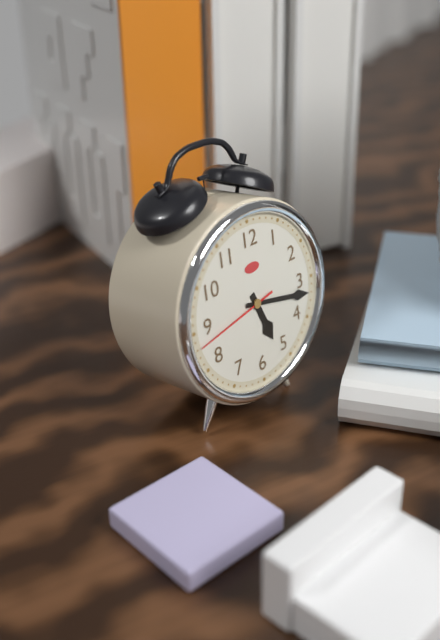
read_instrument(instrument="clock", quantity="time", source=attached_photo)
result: 5:17:43
